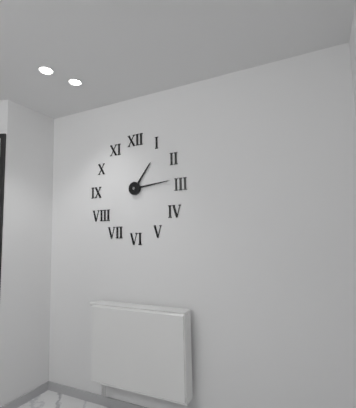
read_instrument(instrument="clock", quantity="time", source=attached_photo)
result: 1:14
